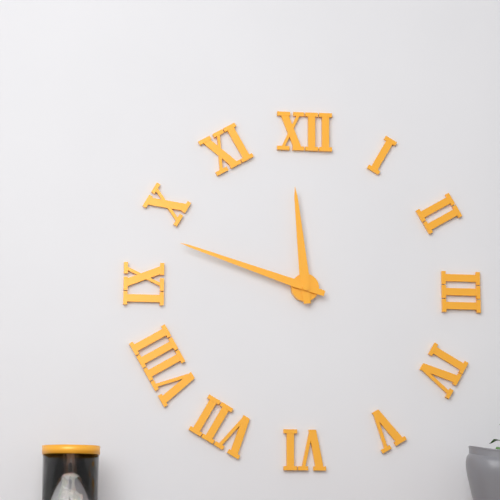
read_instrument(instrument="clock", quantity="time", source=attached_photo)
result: 11:48
